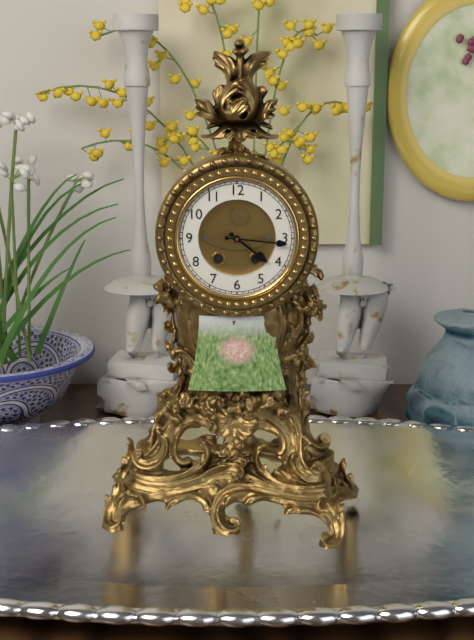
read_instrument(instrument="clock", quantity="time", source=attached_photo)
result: 4:16
